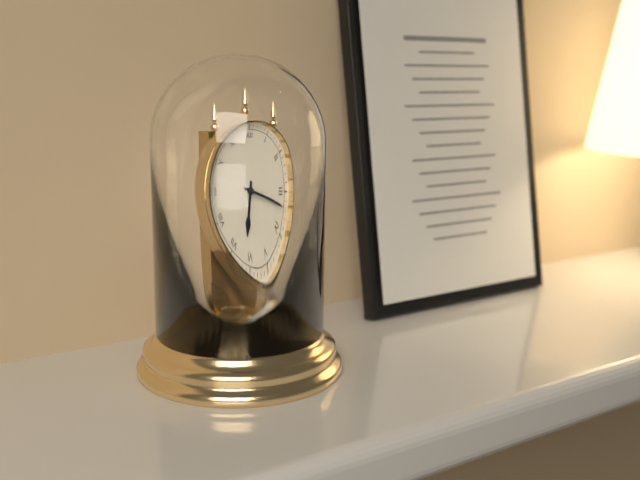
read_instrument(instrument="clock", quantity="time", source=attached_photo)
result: 6:17
